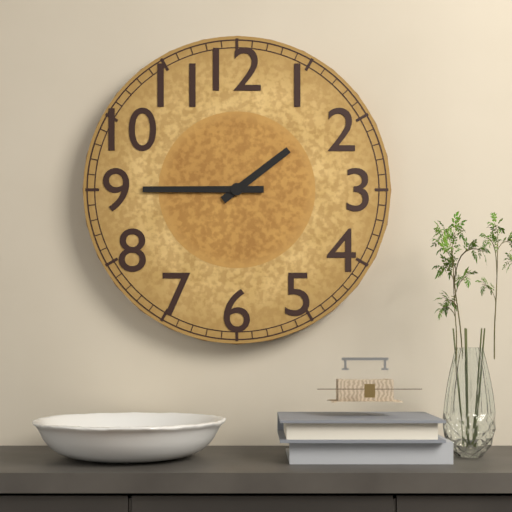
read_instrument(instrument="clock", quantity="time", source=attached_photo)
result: 1:45
